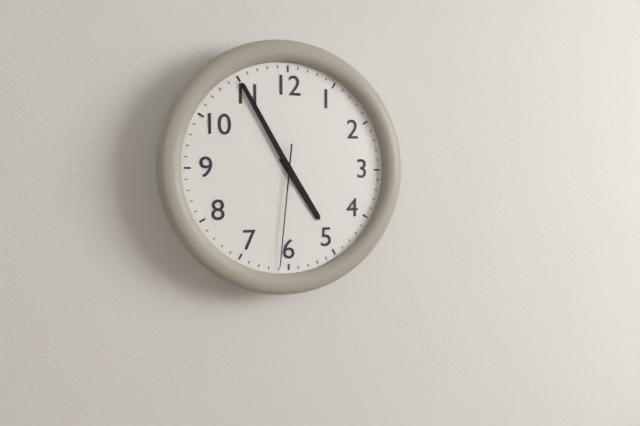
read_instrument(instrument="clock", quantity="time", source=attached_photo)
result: 4:55:31
